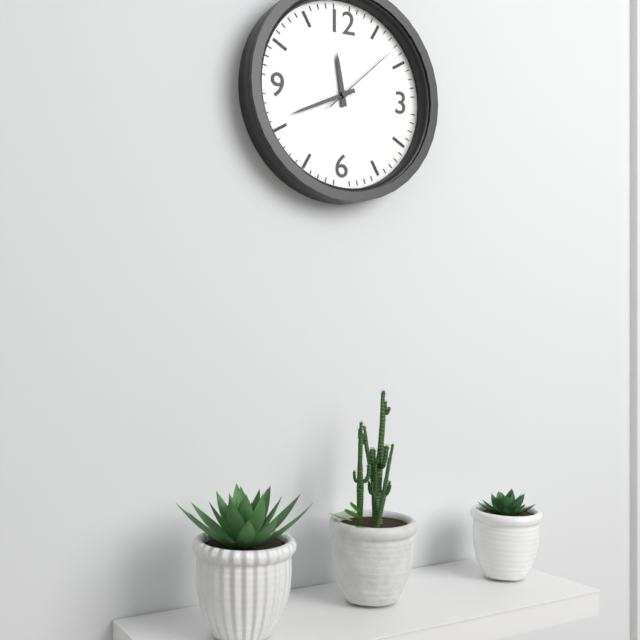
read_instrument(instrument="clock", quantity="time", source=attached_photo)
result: 11:41:08
